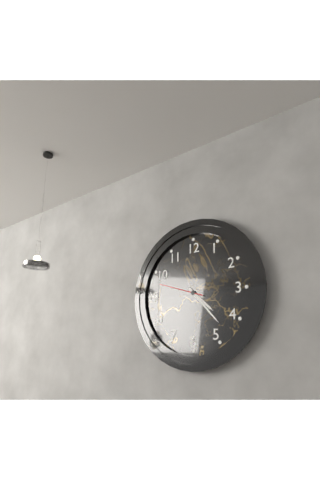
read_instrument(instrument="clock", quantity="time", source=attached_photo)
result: 4:23
